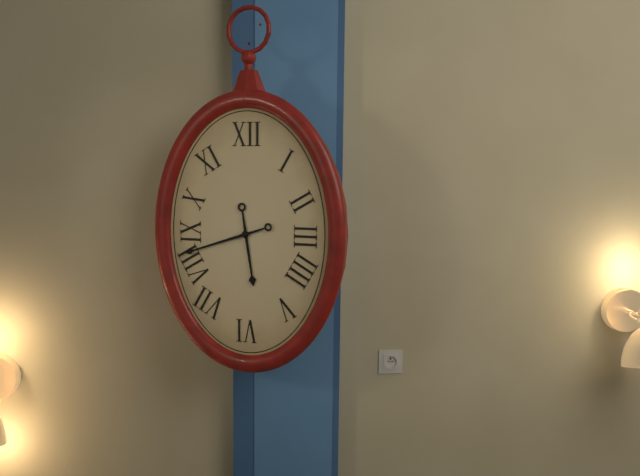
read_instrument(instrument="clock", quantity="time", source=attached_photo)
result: 5:42
